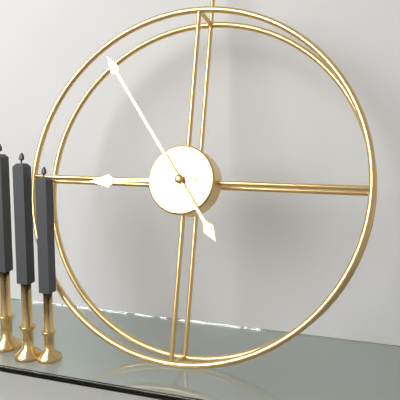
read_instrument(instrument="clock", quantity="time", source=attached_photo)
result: 8:54
